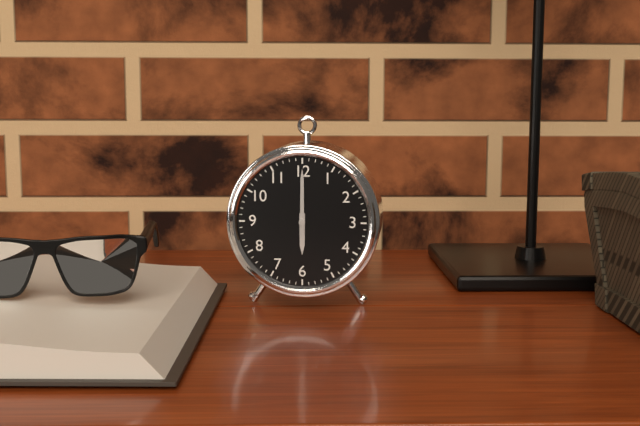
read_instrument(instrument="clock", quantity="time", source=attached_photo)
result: 6:00
